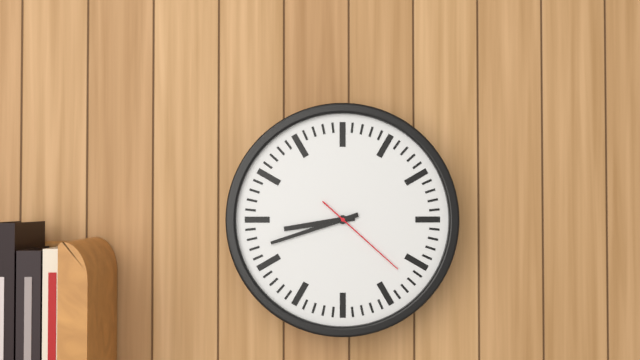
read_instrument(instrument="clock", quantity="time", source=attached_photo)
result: 8:42:22
